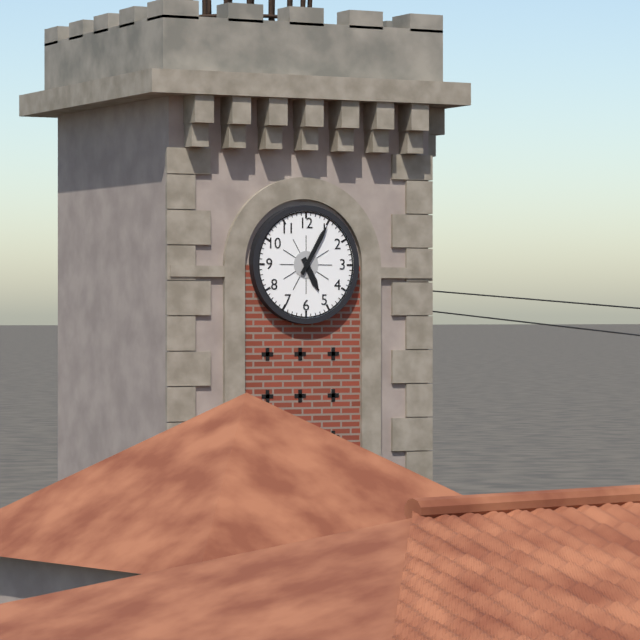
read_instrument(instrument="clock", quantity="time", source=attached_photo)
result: 5:05
